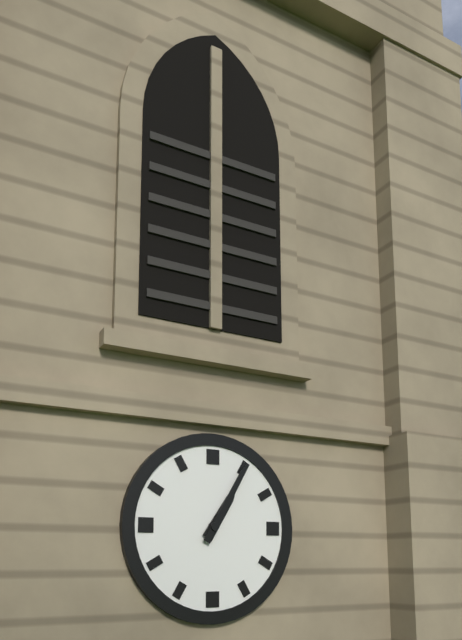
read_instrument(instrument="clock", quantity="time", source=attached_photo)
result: 1:05
